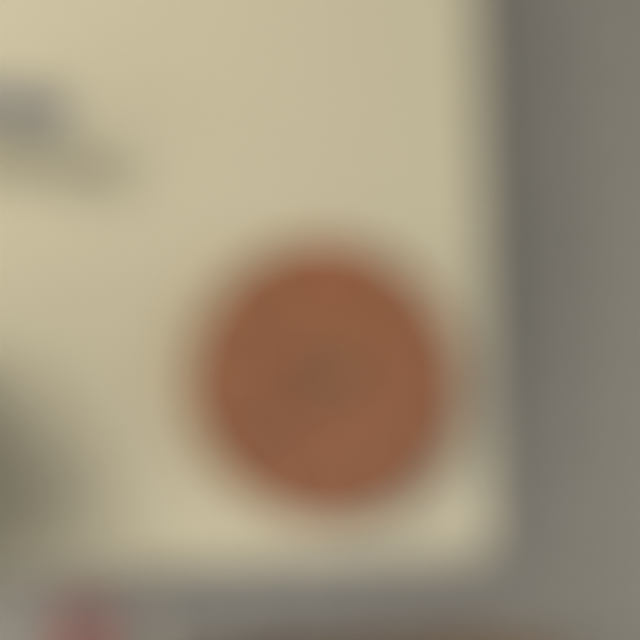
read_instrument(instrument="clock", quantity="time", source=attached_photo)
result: 9:39
